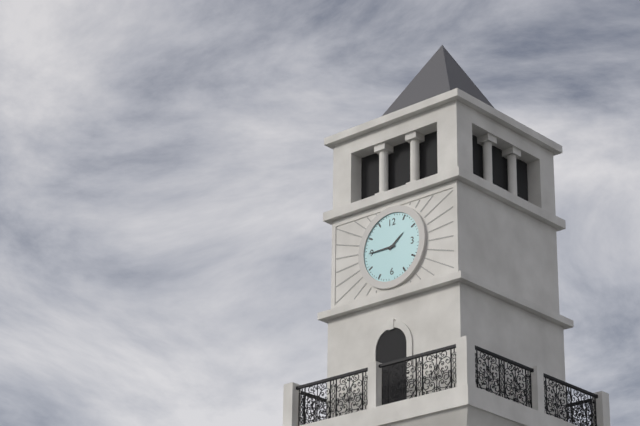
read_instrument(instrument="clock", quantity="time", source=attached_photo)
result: 1:45
